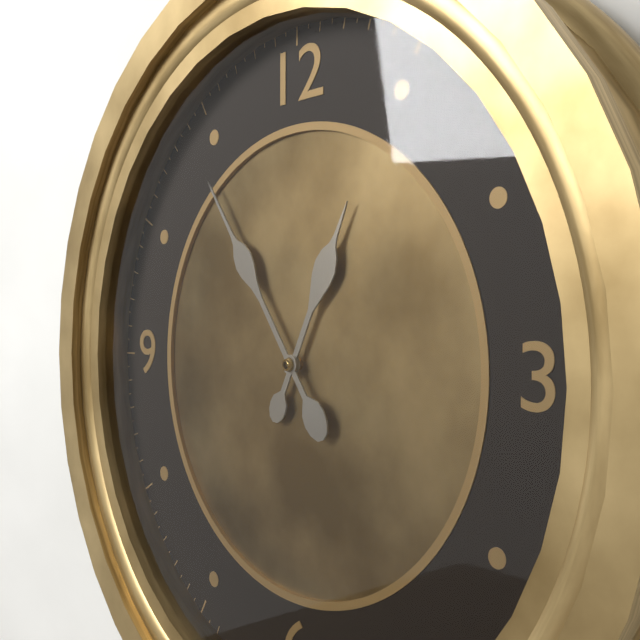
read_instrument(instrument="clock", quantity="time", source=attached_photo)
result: 12:54
